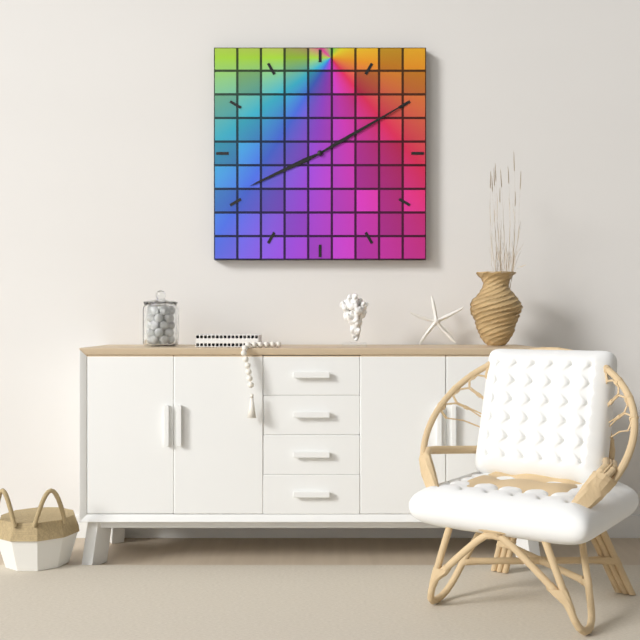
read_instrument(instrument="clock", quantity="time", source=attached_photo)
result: 8:10
